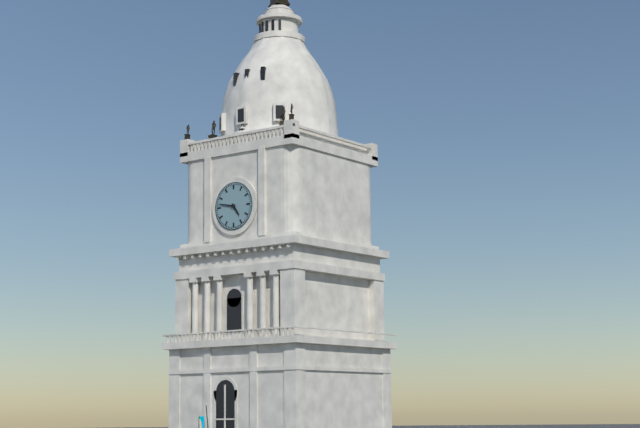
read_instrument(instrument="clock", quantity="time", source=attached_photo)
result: 4:47
